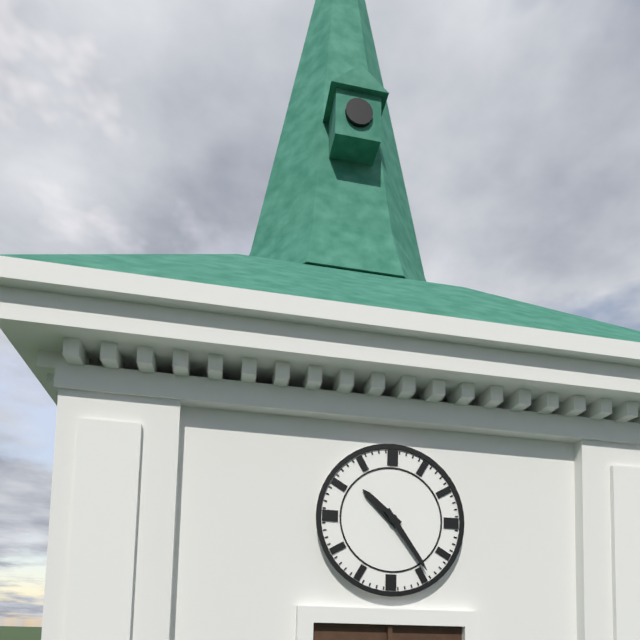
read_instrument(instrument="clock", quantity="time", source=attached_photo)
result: 10:24
